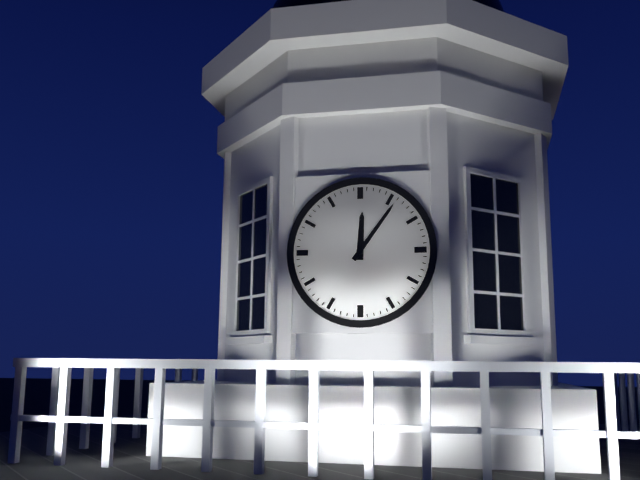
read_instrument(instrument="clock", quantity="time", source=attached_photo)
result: 12:06
